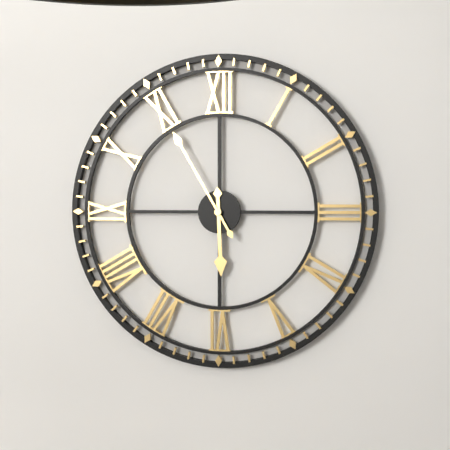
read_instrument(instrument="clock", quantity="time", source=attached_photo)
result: 5:55
